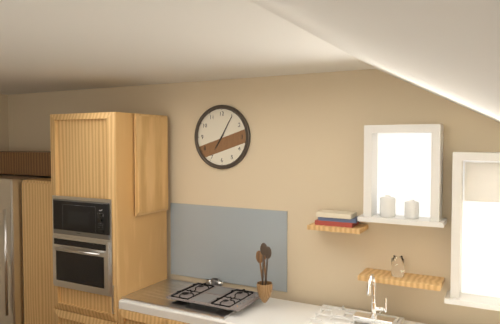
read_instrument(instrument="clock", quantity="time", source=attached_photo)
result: 7:05
